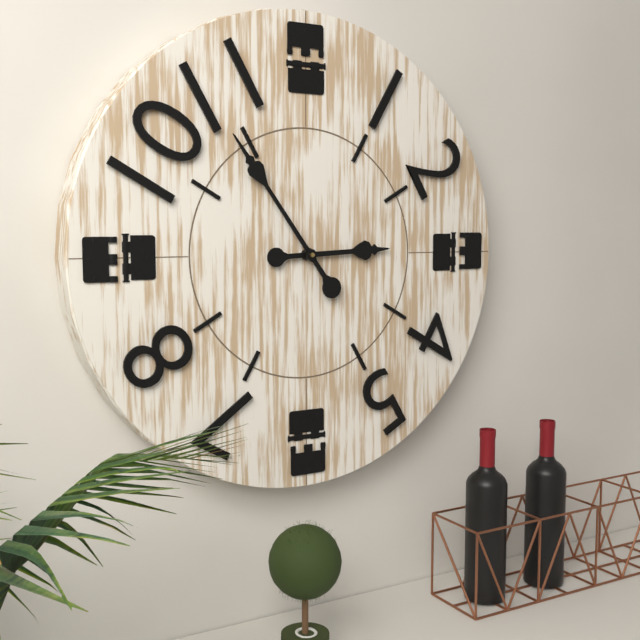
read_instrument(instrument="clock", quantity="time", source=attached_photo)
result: 2:54
